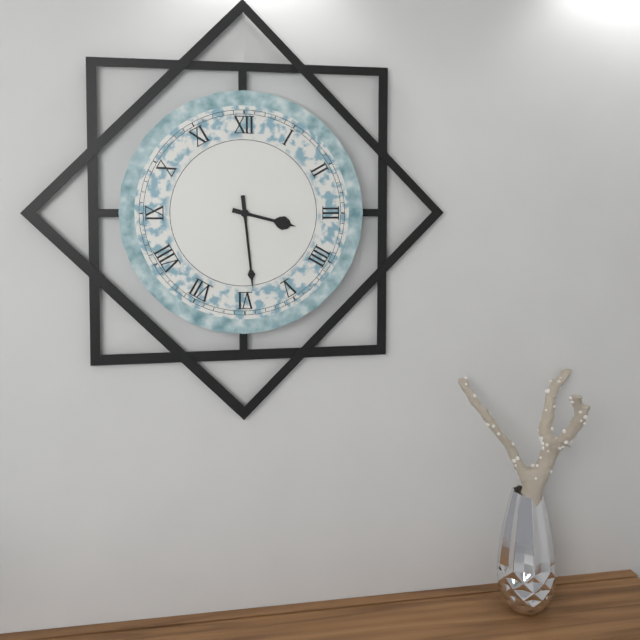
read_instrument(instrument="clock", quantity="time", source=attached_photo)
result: 3:29
